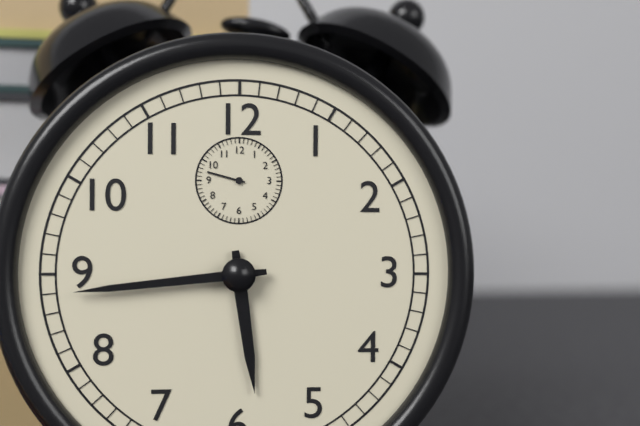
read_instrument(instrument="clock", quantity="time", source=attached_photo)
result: 5:44
